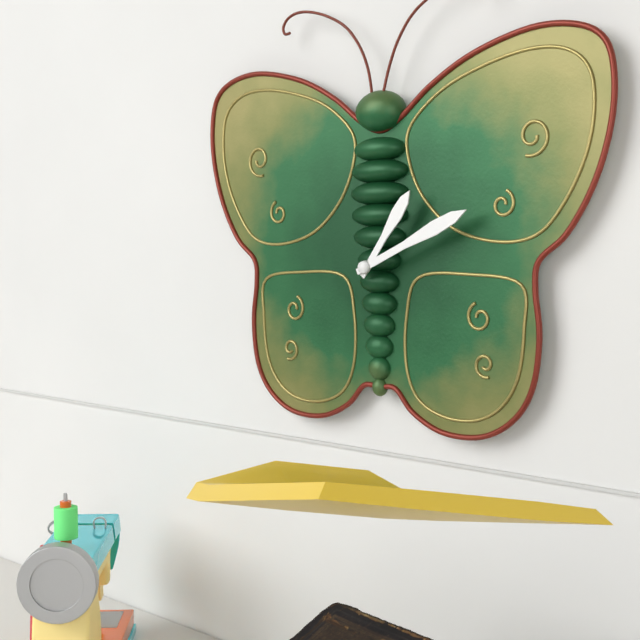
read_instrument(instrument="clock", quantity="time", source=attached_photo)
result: 1:11
